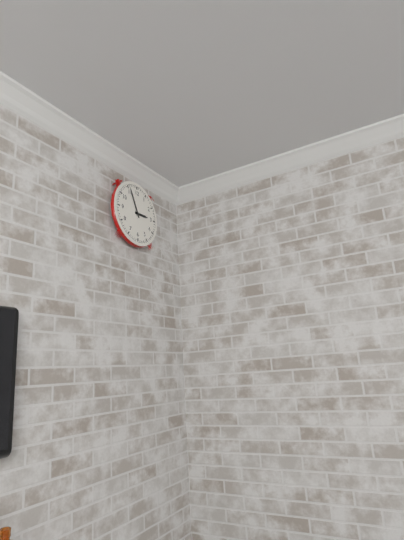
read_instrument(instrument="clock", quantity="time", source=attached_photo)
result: 2:56
